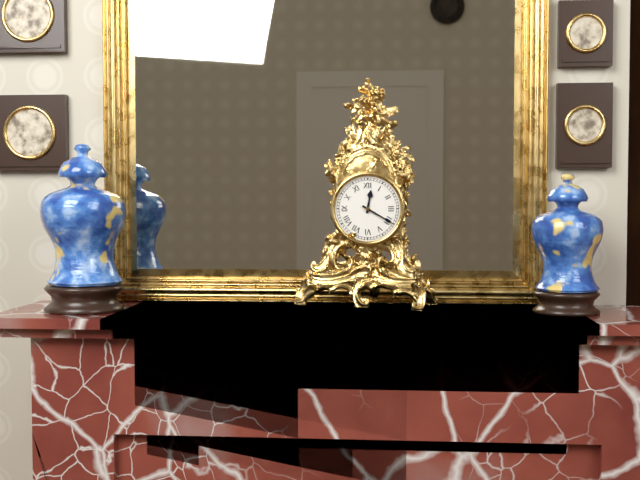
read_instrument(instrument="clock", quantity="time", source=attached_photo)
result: 12:20
